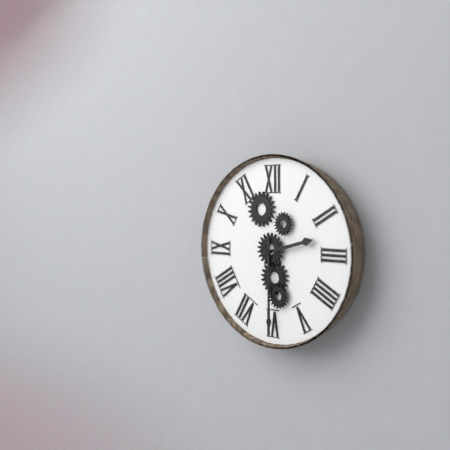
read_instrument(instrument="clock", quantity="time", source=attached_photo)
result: 2:30
